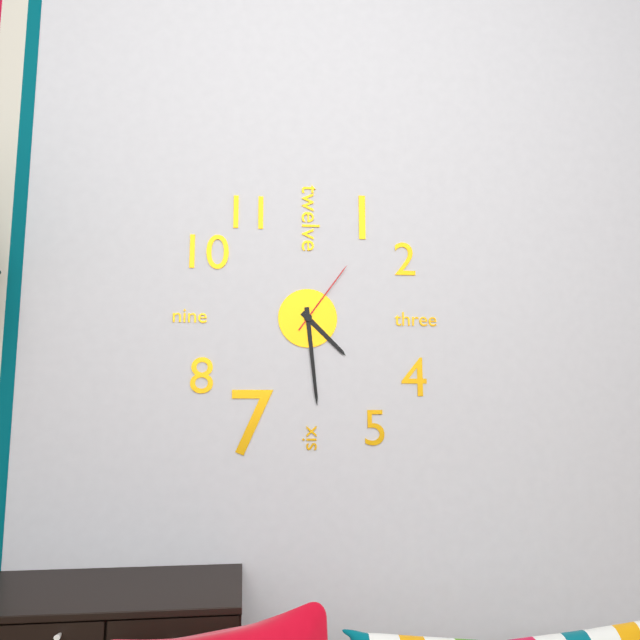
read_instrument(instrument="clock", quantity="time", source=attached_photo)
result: 4:29:06
